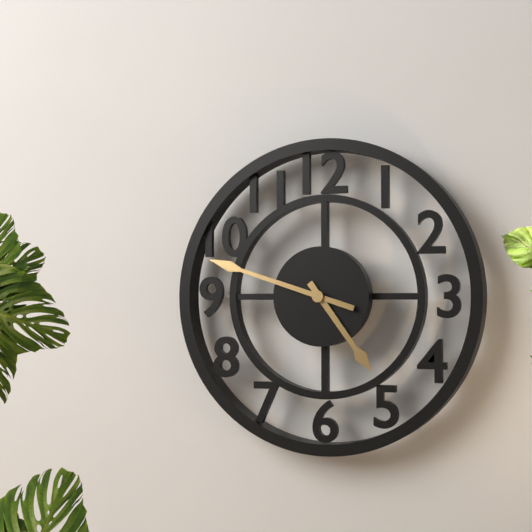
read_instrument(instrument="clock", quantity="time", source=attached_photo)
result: 4:48
